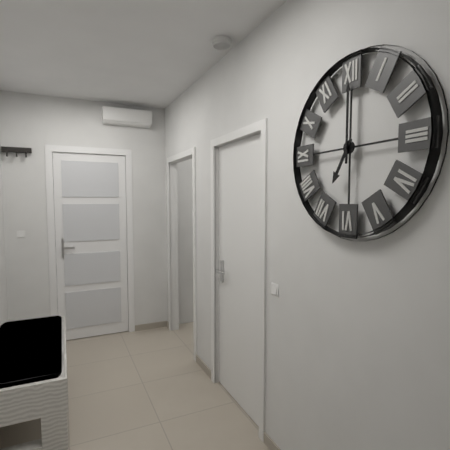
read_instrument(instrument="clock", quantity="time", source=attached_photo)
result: 7:00
